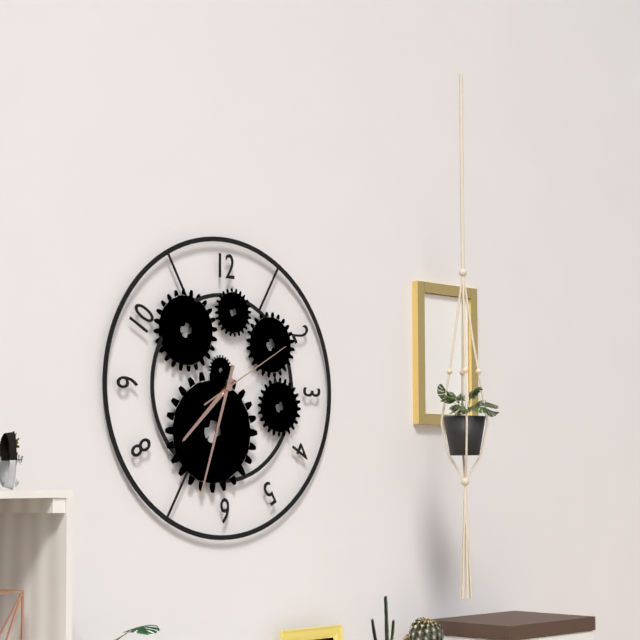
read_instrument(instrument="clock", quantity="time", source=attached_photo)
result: 7:33:10
